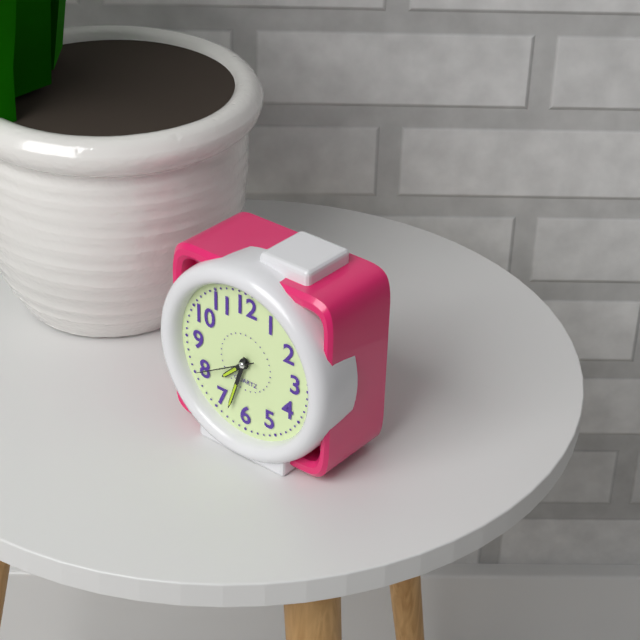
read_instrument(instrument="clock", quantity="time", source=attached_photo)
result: 7:33:40
